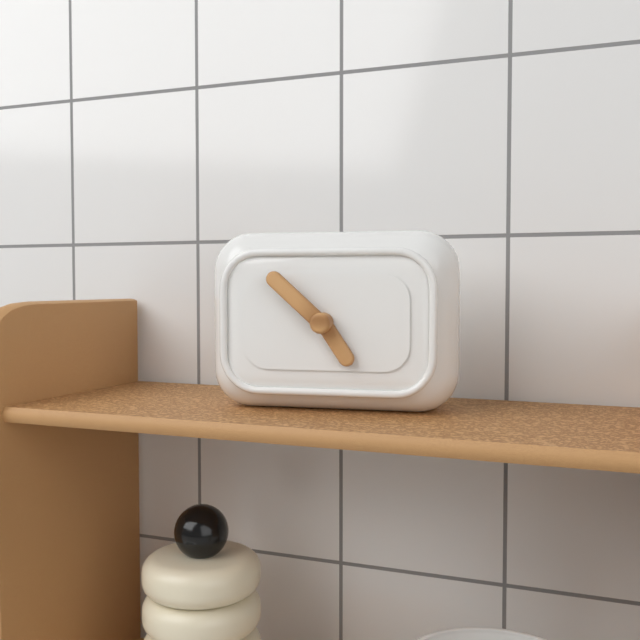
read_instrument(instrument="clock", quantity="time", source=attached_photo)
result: 4:52
